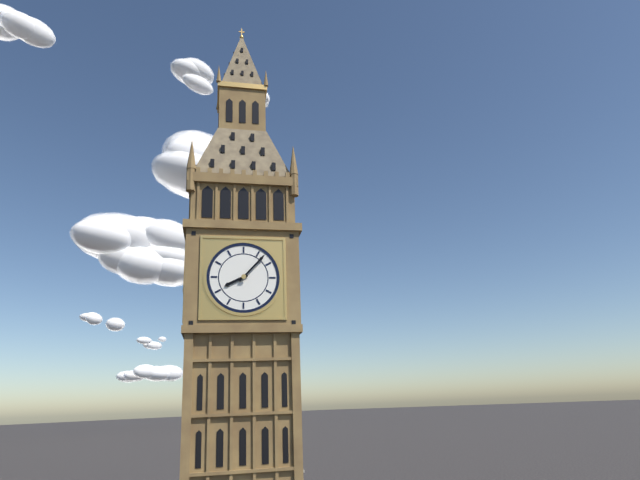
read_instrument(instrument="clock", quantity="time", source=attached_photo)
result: 8:07
